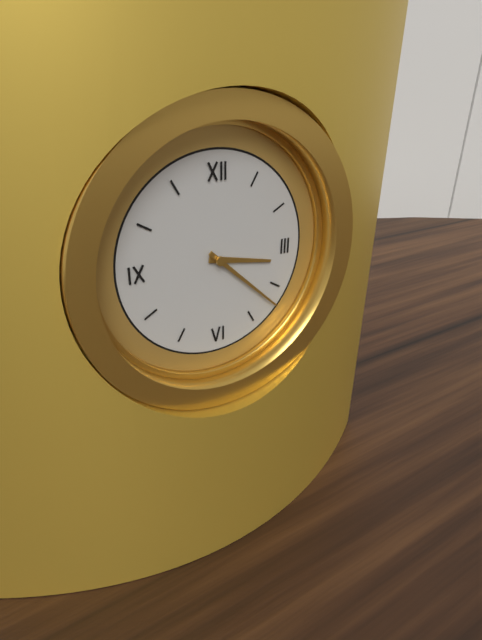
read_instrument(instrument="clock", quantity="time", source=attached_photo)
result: 3:22
